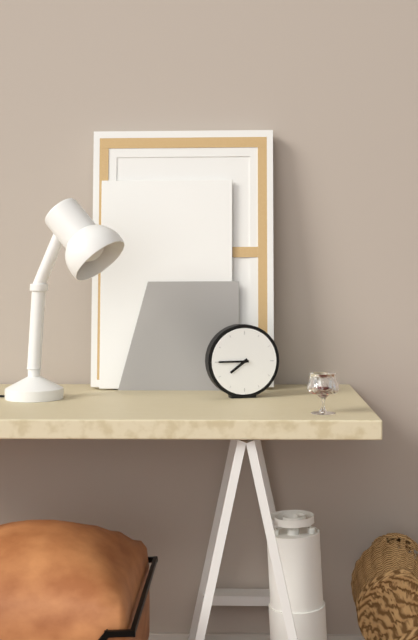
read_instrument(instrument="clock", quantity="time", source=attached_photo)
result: 7:45
